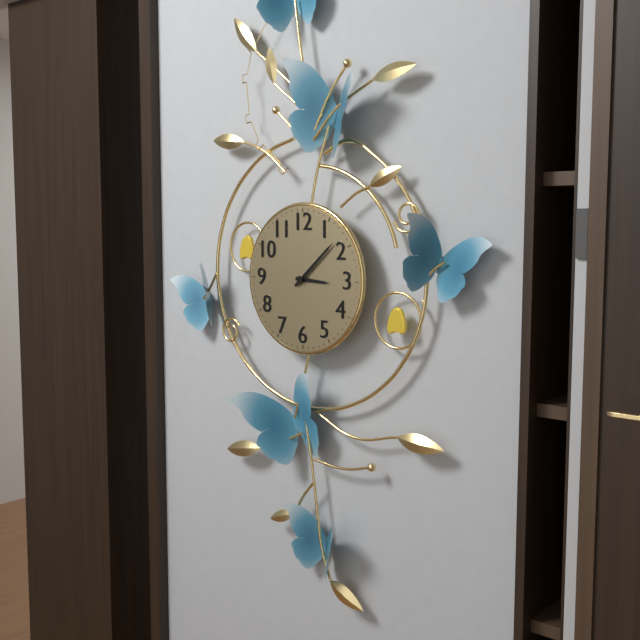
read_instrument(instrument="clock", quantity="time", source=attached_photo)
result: 3:08
